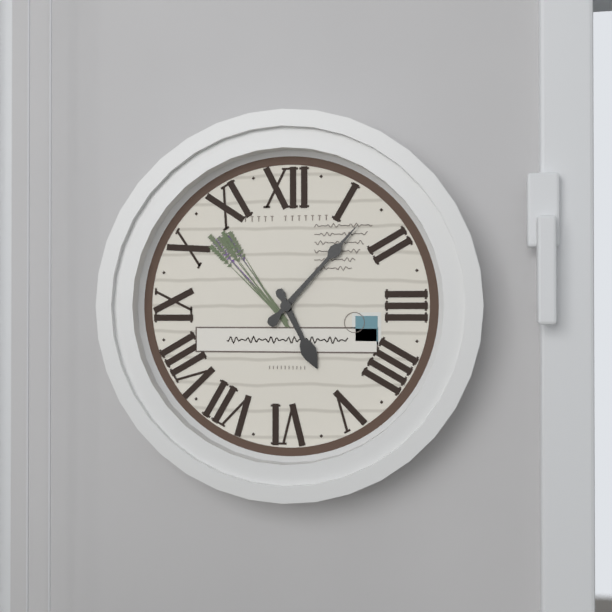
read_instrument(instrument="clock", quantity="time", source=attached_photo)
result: 5:07
